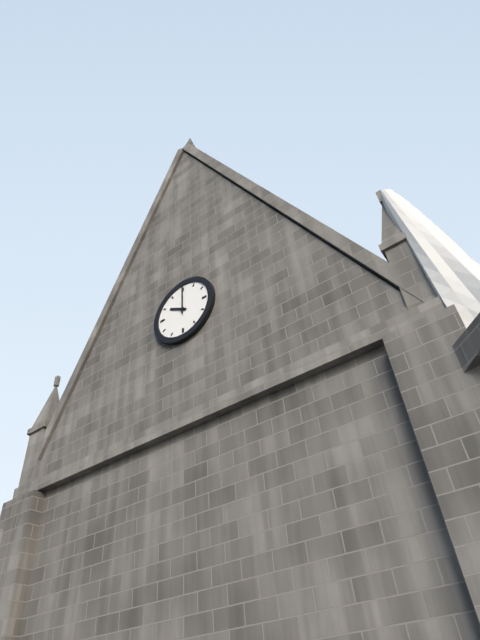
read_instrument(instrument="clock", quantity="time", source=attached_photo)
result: 10:00
